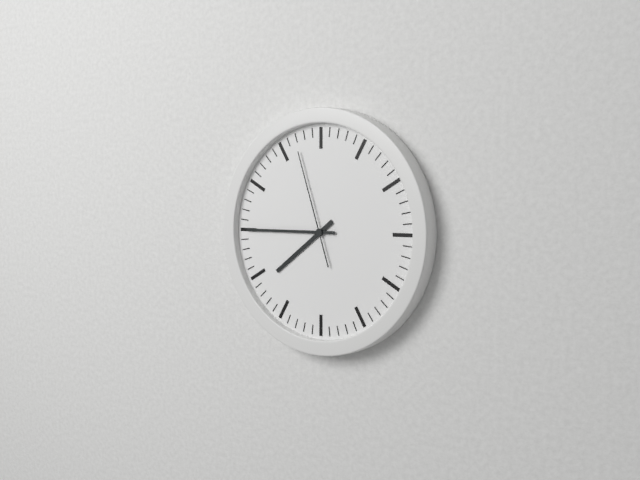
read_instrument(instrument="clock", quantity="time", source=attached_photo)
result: 7:45:57
